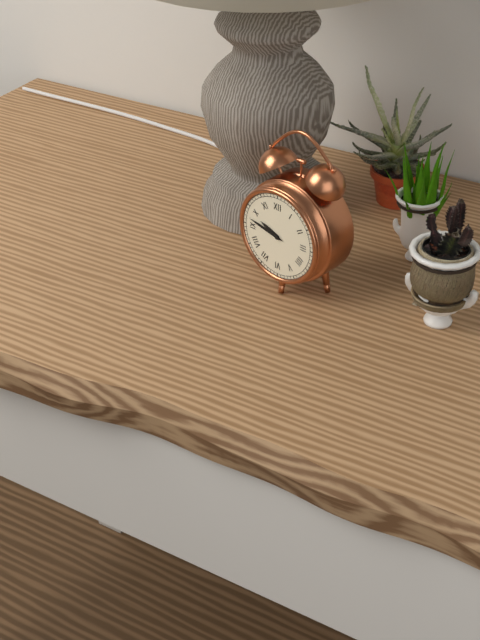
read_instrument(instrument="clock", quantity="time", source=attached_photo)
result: 9:47
